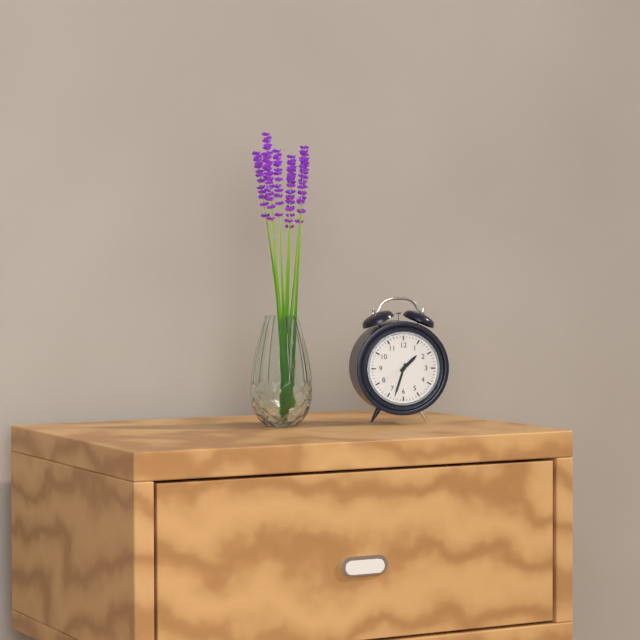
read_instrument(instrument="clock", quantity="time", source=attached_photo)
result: 1:33
